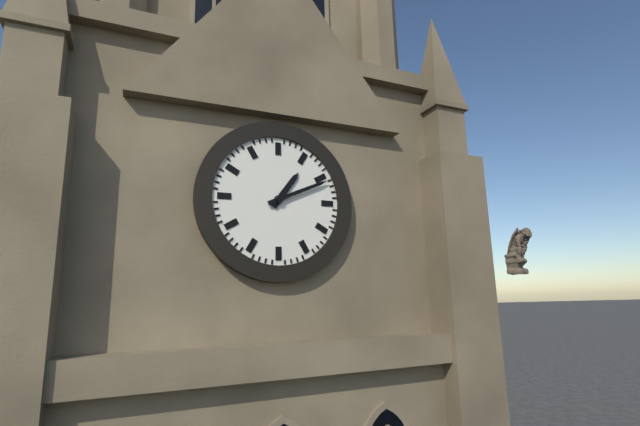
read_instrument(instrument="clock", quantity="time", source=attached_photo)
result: 1:11
